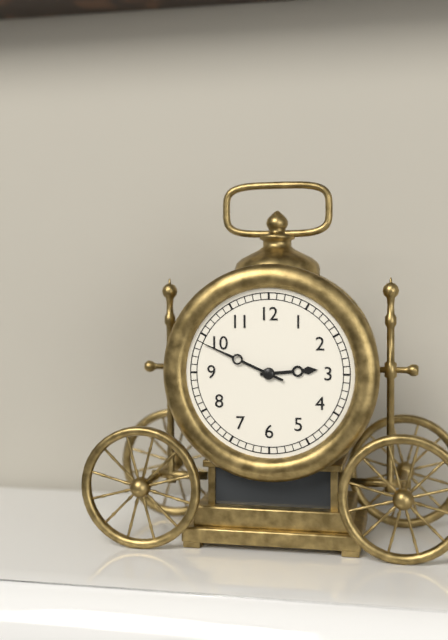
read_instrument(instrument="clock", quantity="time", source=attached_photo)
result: 2:49
